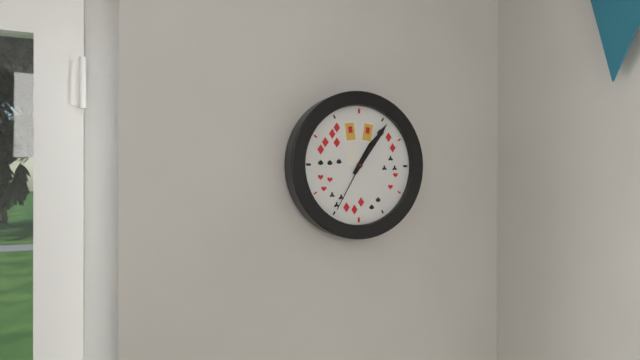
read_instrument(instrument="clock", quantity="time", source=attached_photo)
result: 1:06:35
